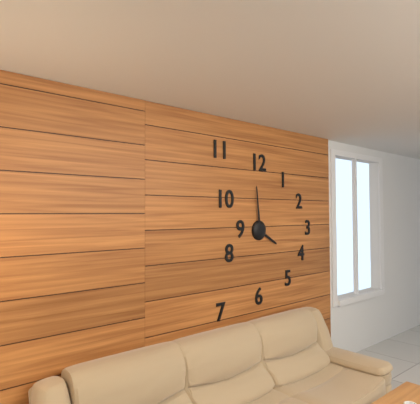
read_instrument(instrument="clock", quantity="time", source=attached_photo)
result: 3:59
